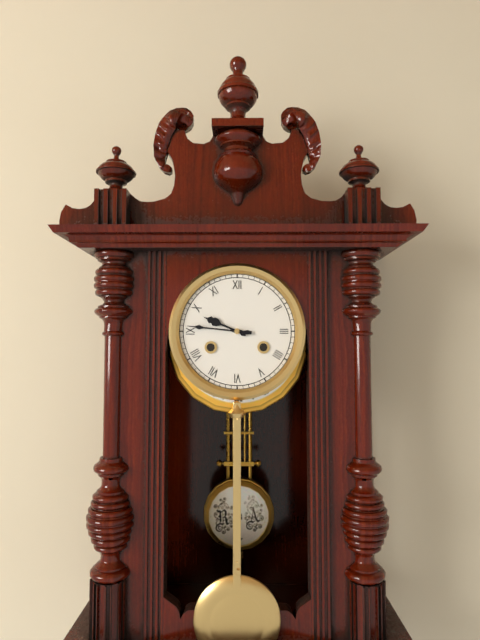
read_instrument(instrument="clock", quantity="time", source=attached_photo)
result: 9:46
